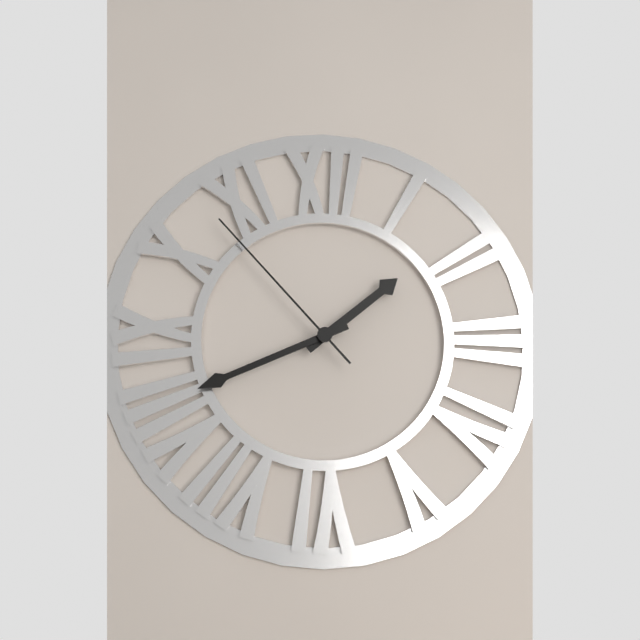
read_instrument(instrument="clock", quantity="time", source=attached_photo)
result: 1:41:53
